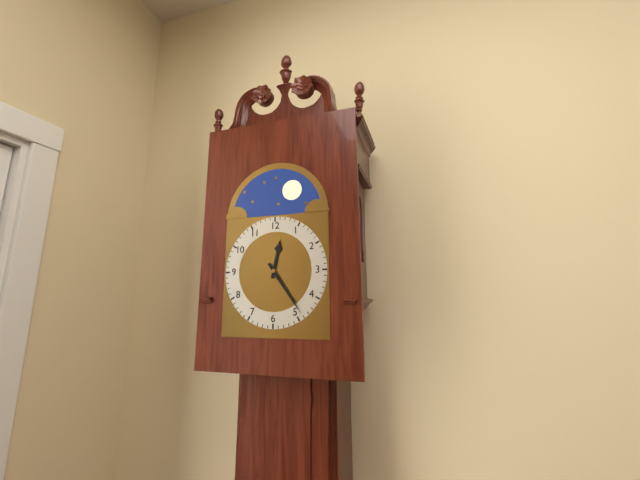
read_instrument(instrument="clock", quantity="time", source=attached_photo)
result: 12:24
